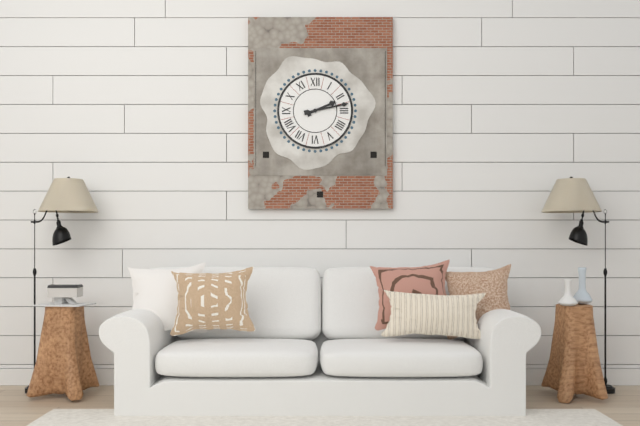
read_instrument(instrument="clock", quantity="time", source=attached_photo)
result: 2:13
